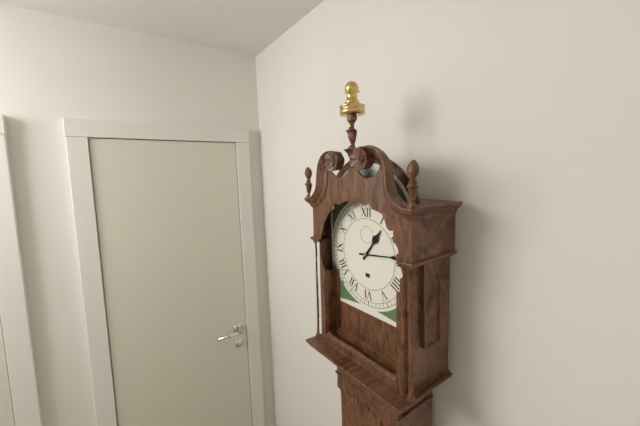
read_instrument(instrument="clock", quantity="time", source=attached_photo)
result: 1:14
